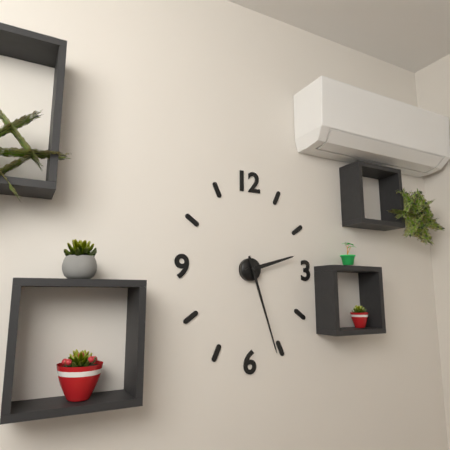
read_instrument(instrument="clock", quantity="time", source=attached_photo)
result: 2:27
